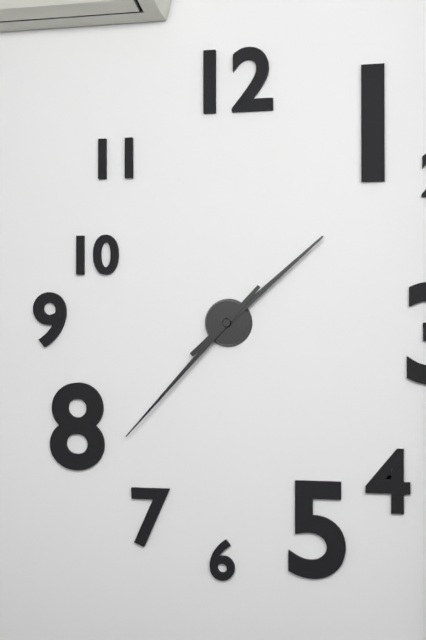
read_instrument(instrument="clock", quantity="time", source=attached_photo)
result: 1:37
